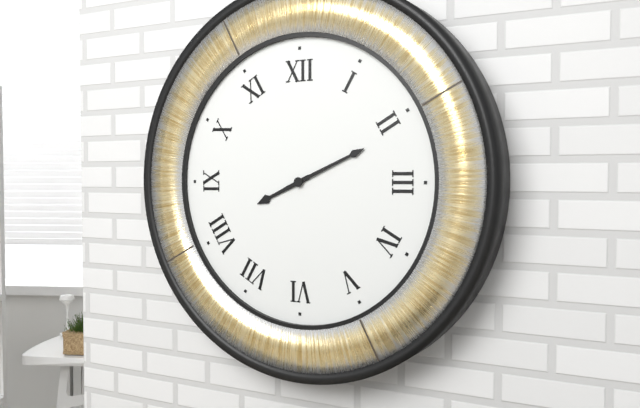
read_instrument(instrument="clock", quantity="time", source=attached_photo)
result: 8:11
